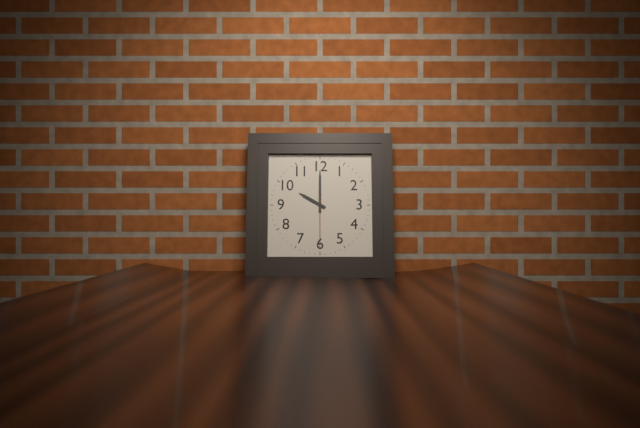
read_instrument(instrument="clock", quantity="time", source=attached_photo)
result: 10:00:30
